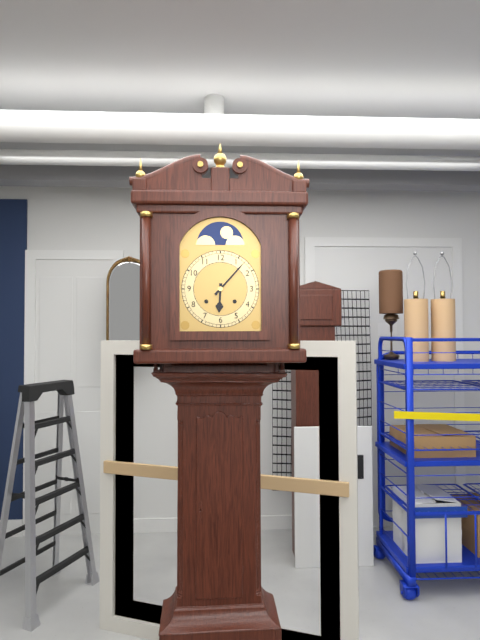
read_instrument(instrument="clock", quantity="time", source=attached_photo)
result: 6:07
